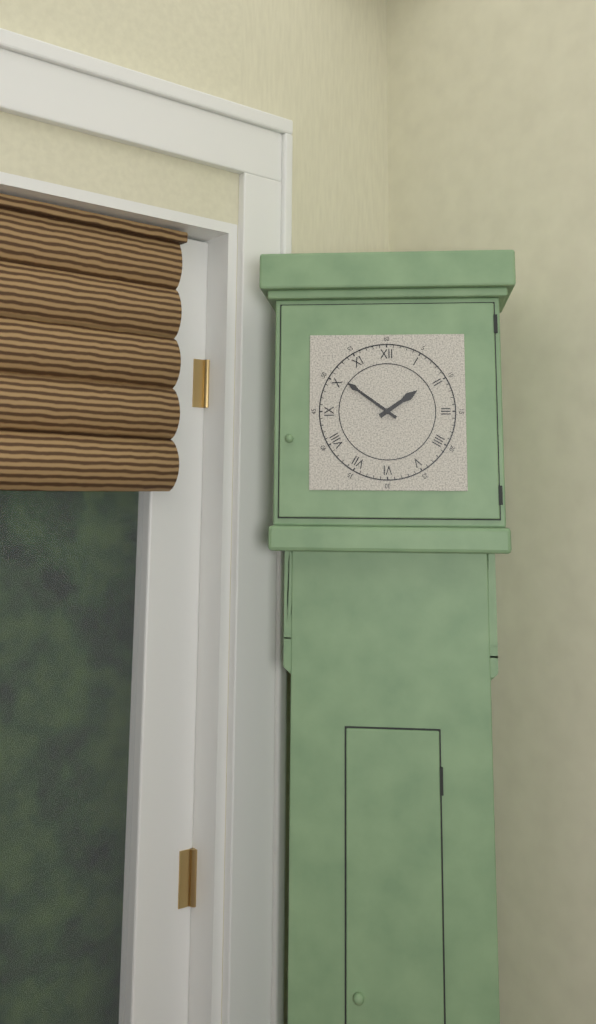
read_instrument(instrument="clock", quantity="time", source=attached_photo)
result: 1:51
